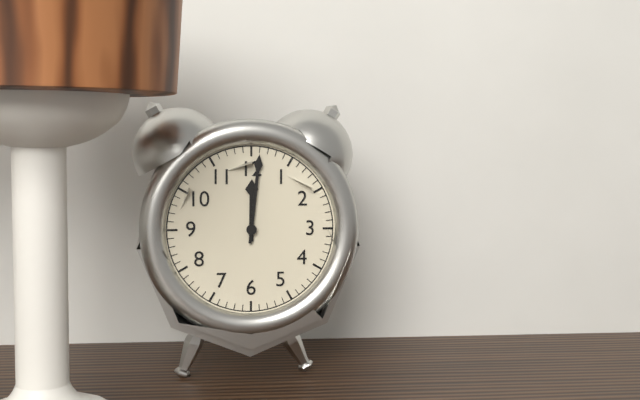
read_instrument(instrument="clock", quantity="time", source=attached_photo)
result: 12:01
